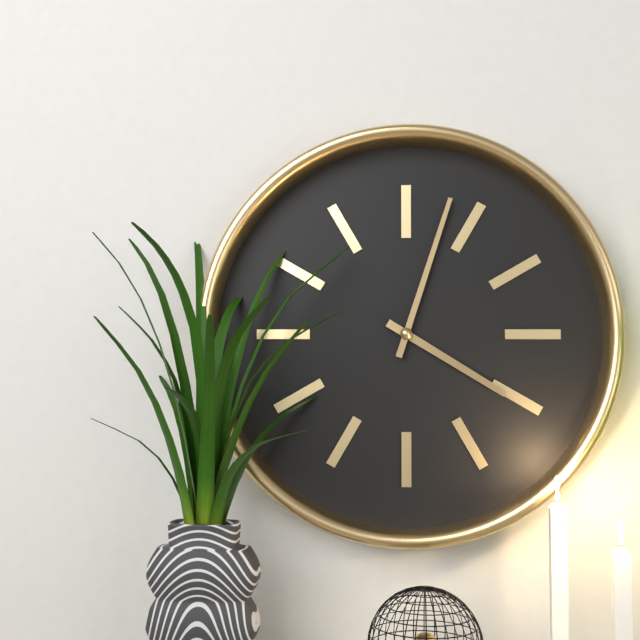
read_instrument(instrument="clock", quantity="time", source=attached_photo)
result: 4:03
